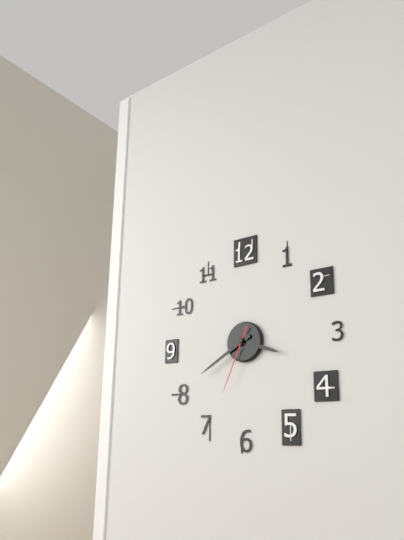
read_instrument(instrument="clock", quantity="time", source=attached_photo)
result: 3:40:34
